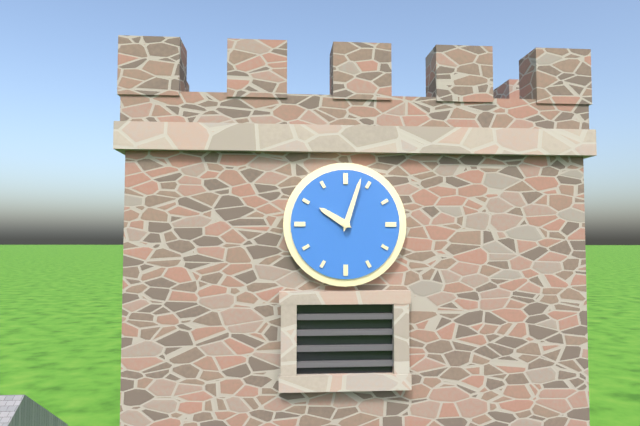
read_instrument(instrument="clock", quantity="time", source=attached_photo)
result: 10:03
